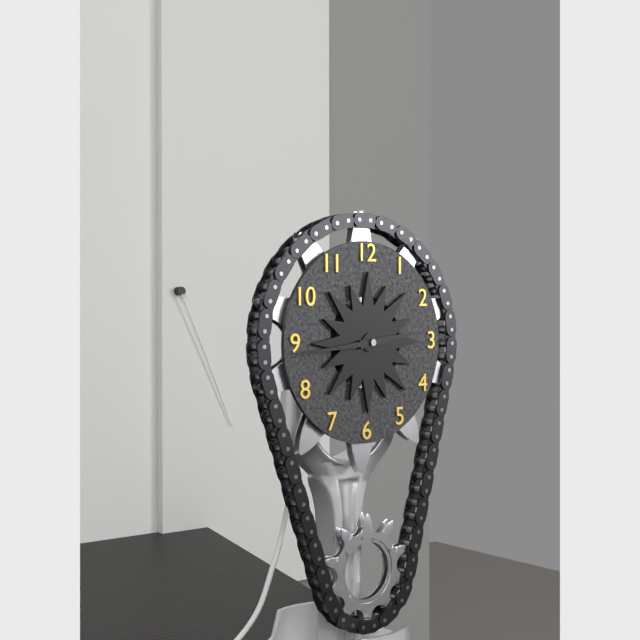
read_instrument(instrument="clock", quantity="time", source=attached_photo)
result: 2:44
